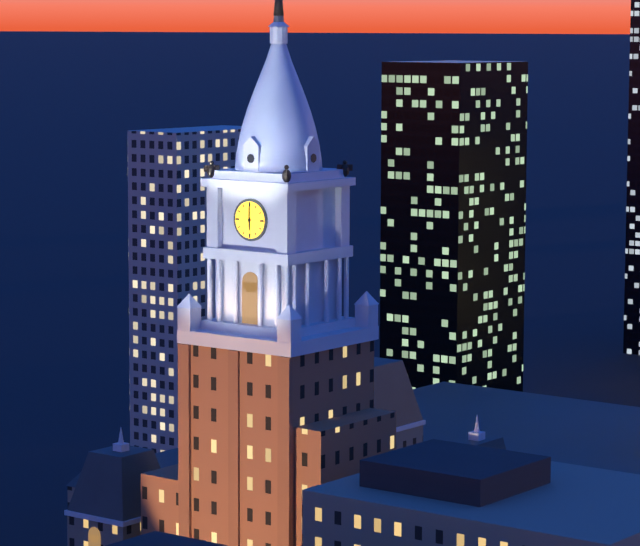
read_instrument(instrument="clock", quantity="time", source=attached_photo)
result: 6:00
